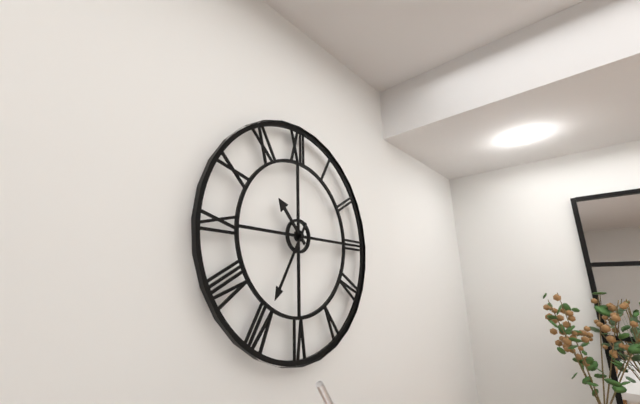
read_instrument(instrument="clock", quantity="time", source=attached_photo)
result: 10:35
